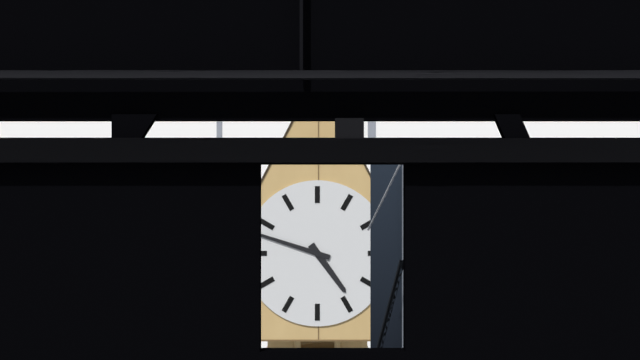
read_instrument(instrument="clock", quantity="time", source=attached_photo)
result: 4:48
